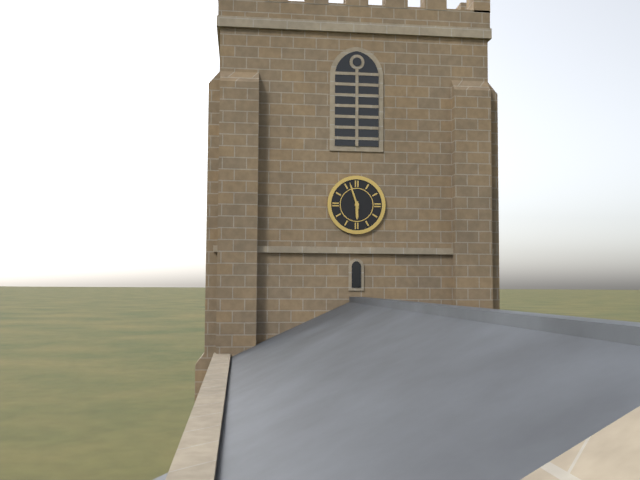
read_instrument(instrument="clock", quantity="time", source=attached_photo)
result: 5:57
